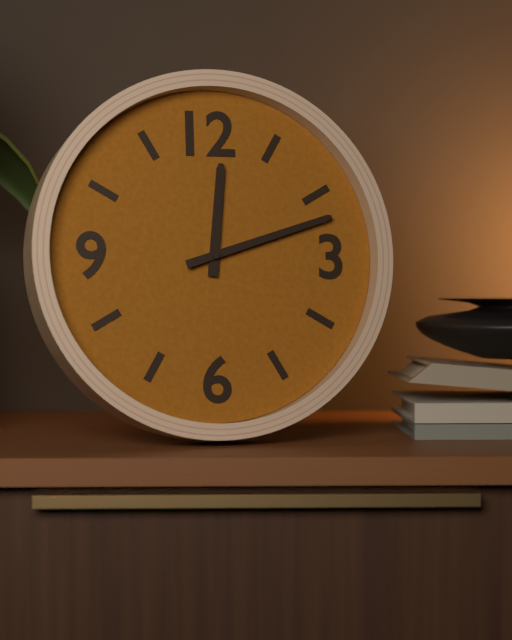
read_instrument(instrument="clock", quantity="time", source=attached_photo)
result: 12:12
